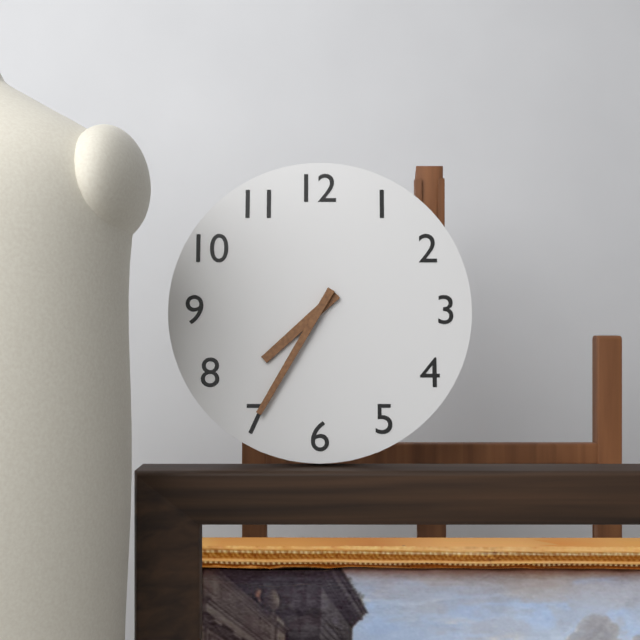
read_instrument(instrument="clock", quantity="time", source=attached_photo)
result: 7:35
